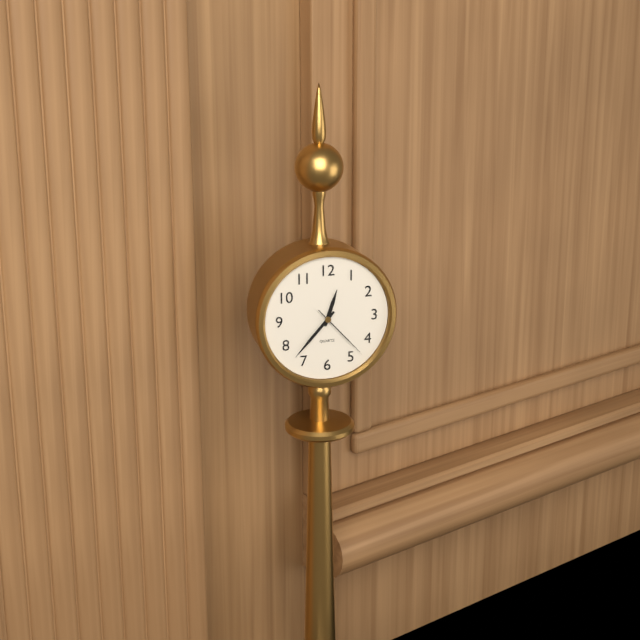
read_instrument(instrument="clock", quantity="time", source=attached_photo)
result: 12:37:23
